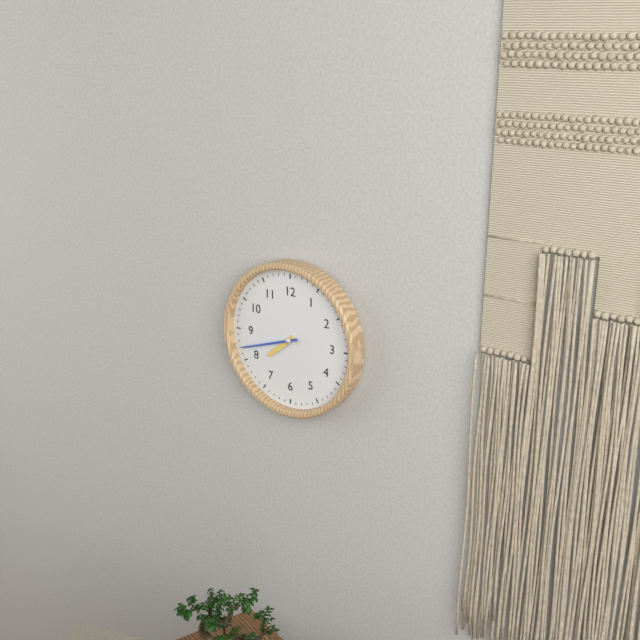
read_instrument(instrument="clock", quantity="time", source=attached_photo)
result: 7:42
